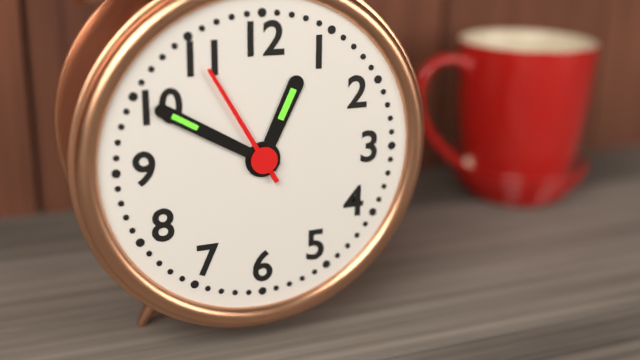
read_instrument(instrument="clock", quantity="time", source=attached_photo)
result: 12:50:55
